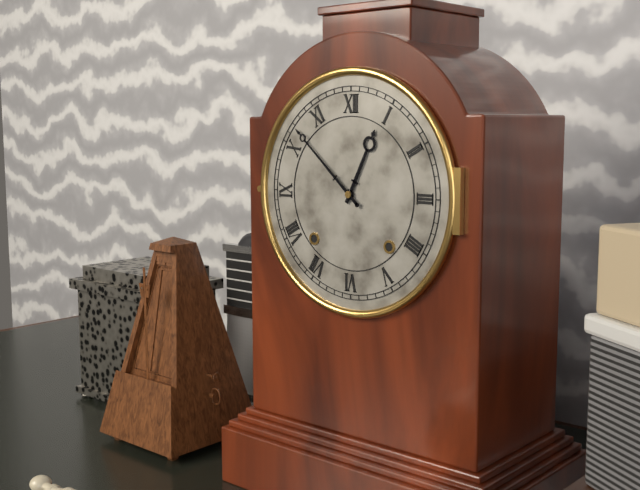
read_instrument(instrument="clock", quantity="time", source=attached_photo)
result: 12:52
